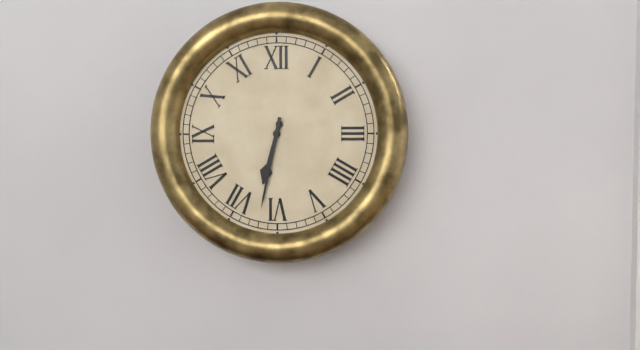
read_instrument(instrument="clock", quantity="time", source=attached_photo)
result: 6:32
